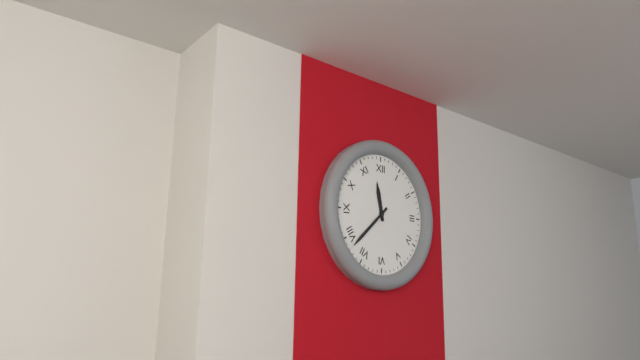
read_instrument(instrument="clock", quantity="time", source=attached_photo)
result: 11:38
